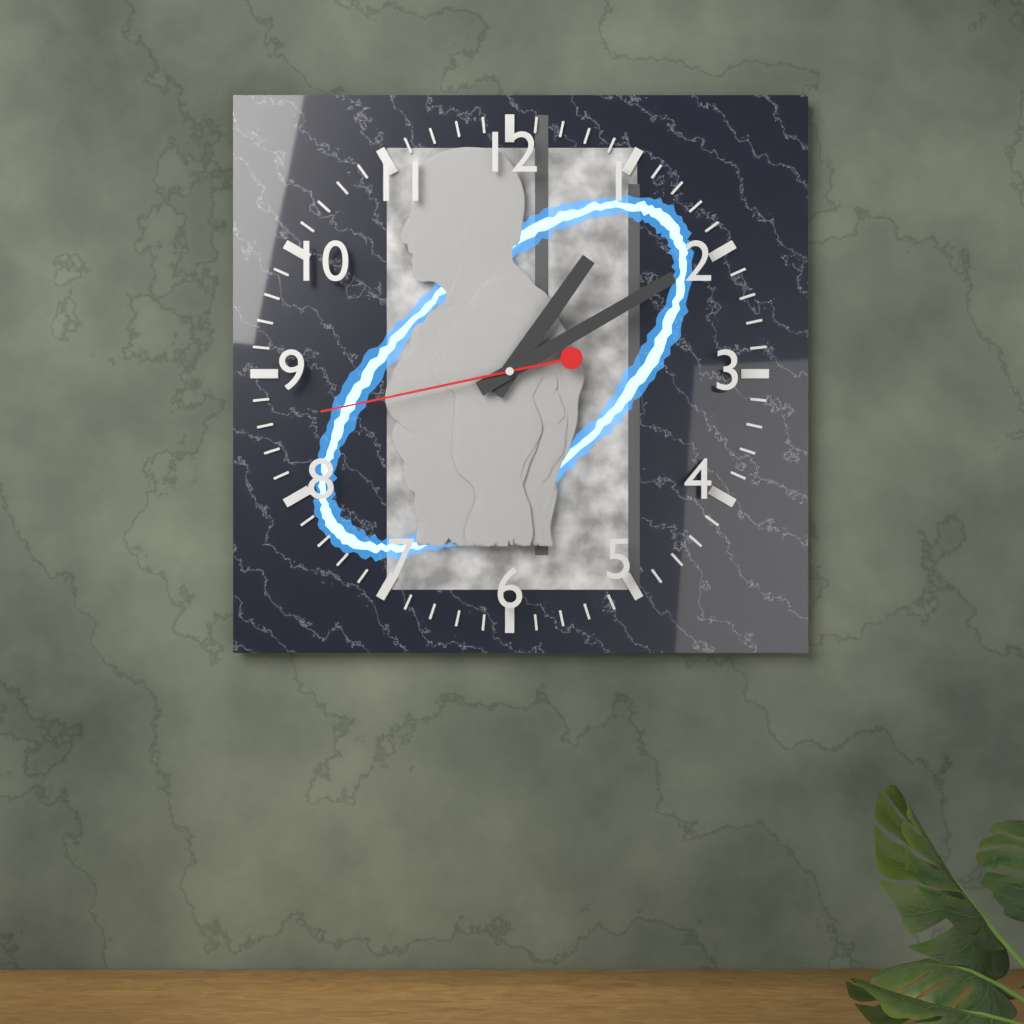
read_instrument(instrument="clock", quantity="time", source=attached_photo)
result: 1:10:43
